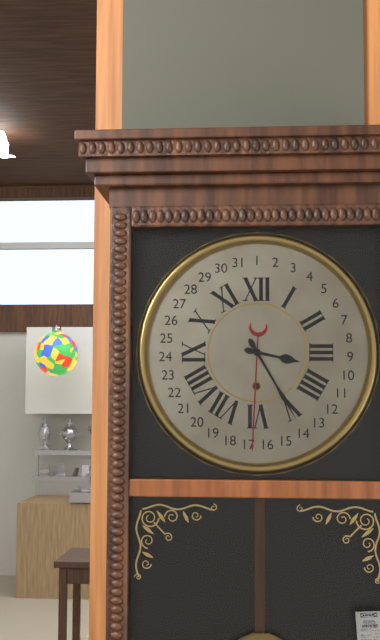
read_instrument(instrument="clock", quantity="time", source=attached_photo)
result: 3:25
